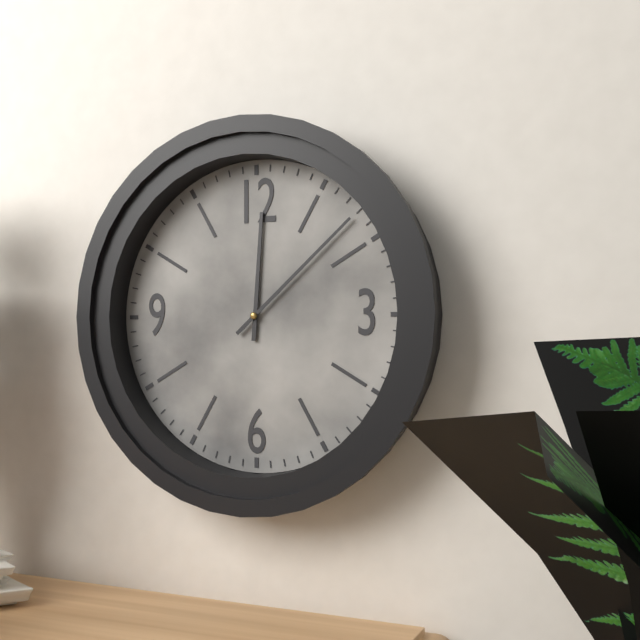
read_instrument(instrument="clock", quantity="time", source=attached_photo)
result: 12:08
